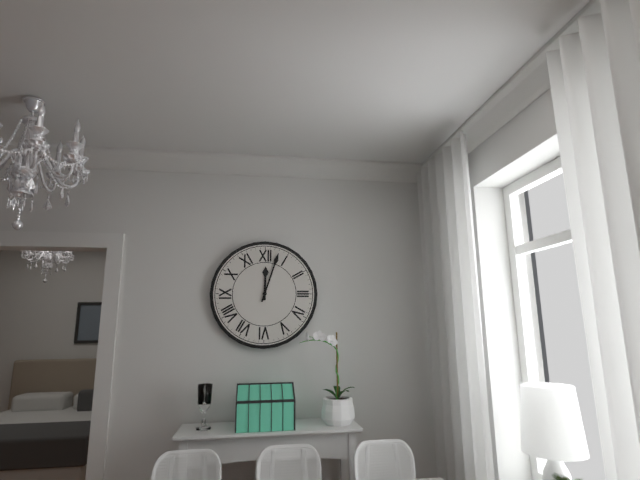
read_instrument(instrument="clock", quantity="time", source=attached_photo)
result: 12:03
